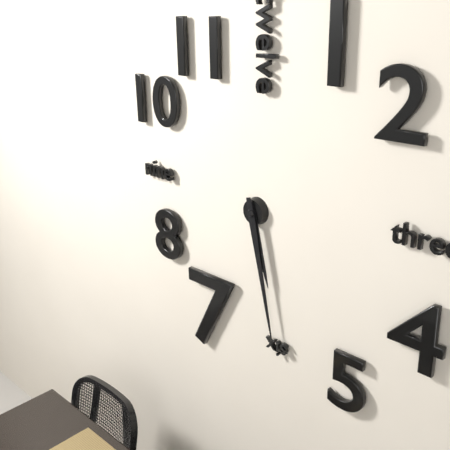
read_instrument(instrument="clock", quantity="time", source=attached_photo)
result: 5:28
